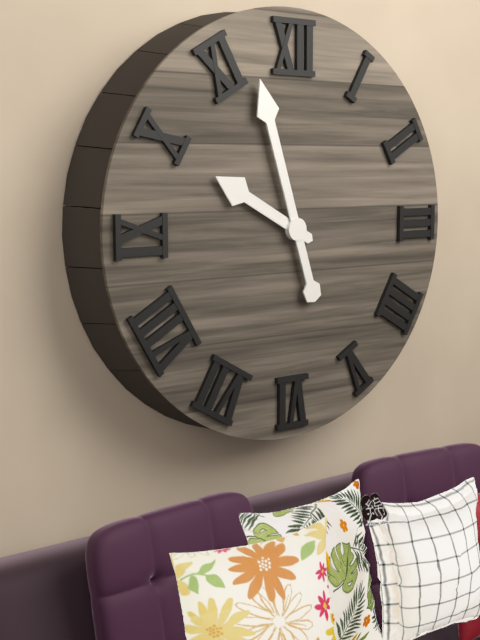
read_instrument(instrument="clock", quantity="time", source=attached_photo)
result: 9:57
